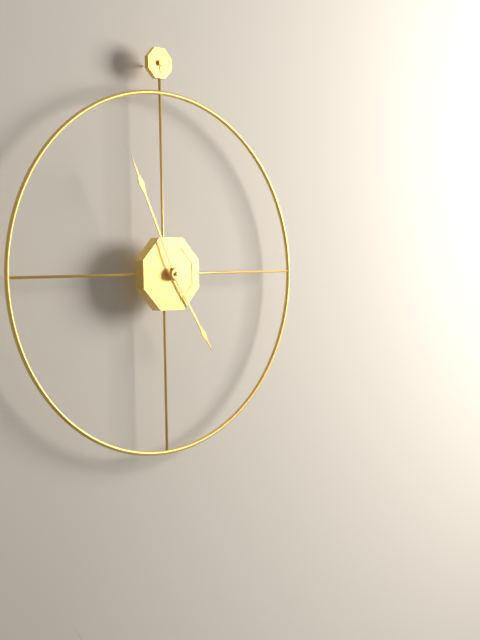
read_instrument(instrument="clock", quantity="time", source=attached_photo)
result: 4:56
